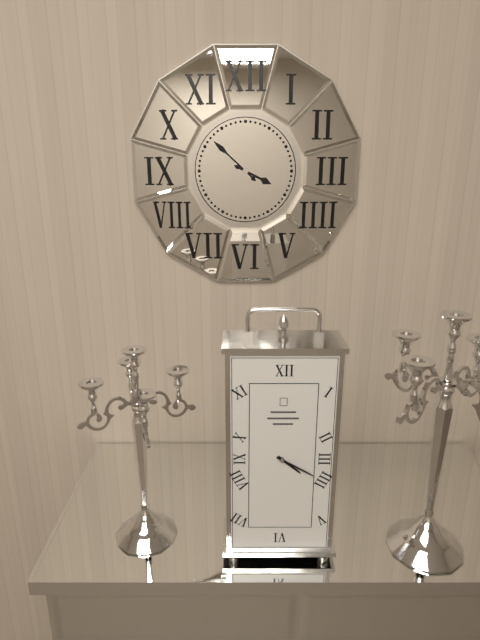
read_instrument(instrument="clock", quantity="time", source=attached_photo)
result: 3:52
